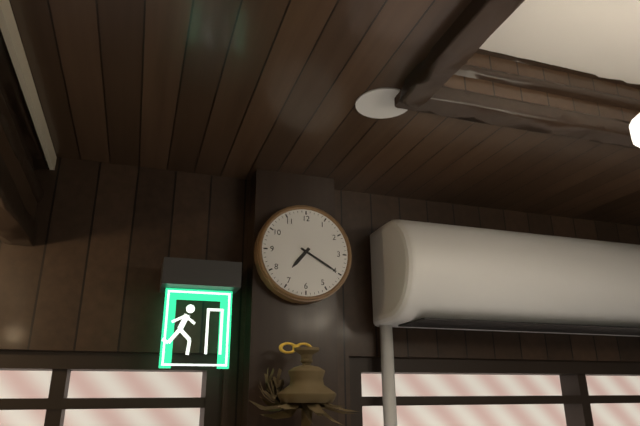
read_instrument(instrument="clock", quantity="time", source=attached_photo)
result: 7:20
